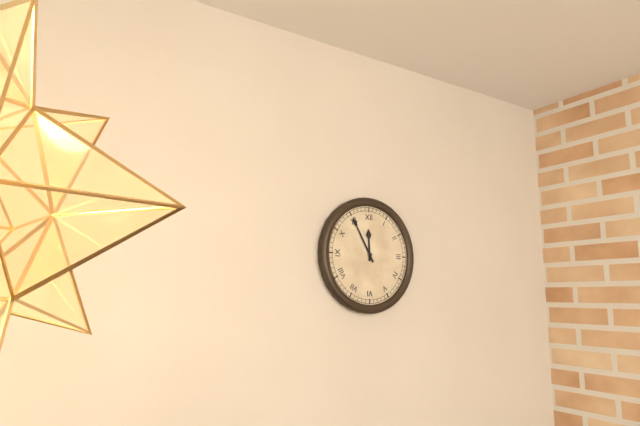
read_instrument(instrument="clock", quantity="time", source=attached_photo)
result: 11:55
